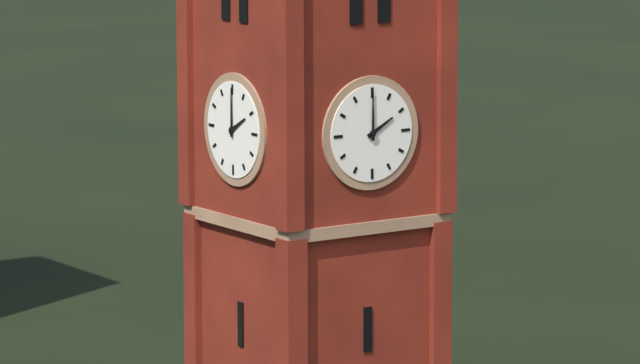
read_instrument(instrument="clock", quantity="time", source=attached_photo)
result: 2:00
